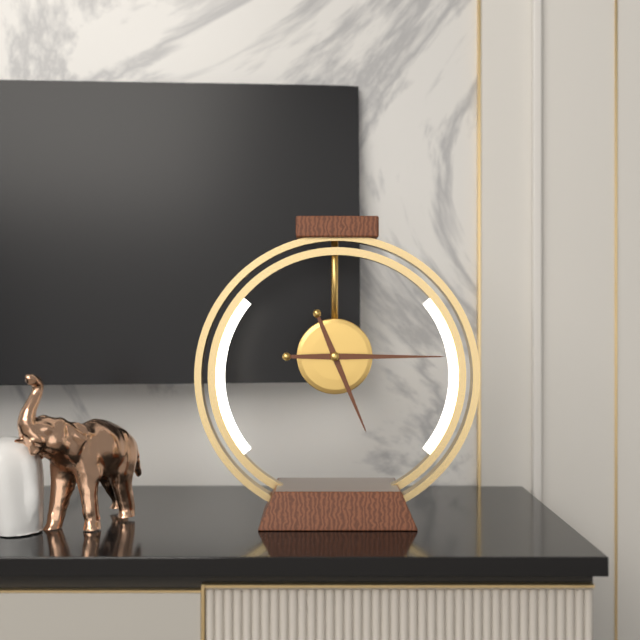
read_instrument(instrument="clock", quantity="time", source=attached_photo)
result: 5:15
